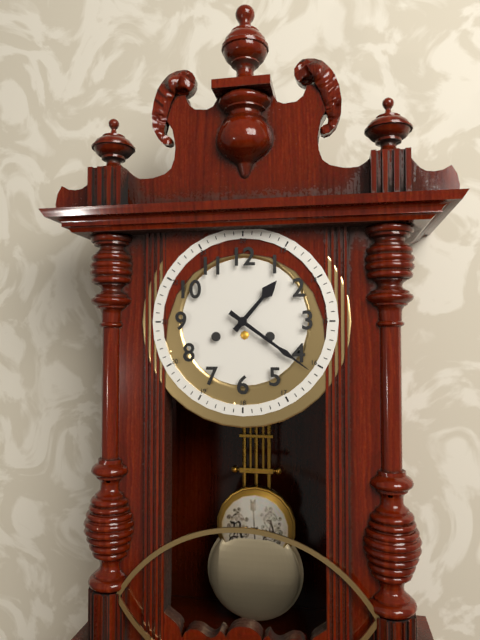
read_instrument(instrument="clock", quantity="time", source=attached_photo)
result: 1:21
